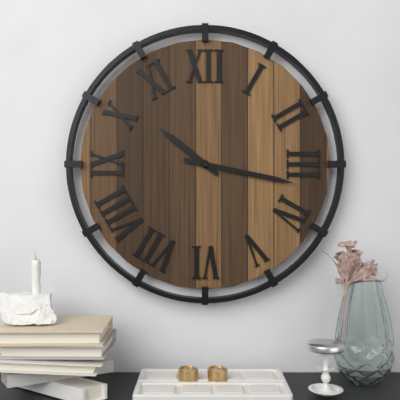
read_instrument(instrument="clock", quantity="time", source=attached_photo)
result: 10:17
